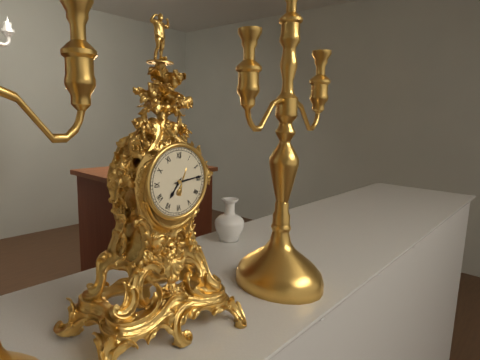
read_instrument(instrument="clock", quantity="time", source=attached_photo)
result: 7:14
